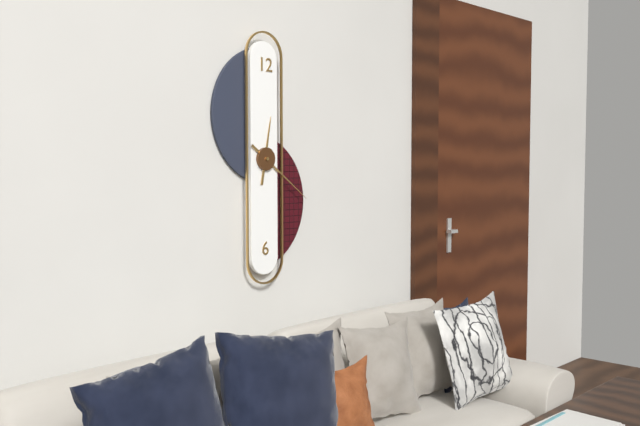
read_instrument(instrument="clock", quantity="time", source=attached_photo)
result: 12:21
